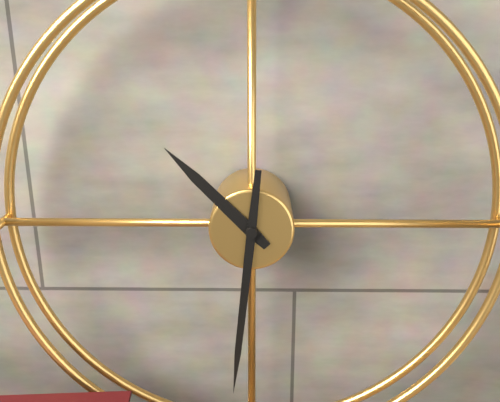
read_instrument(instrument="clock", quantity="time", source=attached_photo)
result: 10:31
